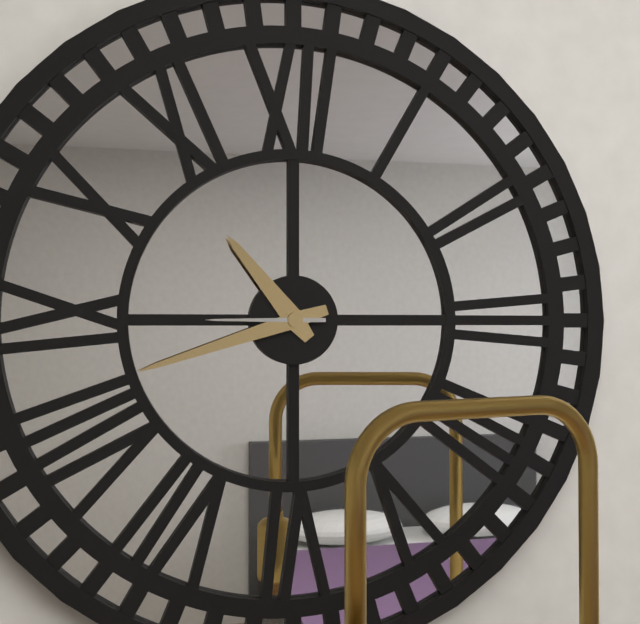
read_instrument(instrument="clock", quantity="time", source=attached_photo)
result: 10:42:45
